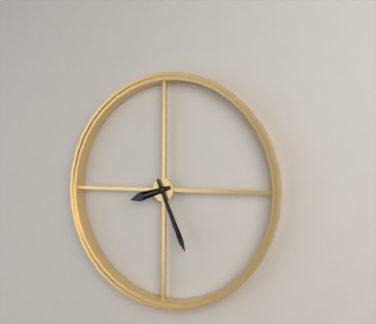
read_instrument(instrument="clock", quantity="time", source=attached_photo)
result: 8:26
